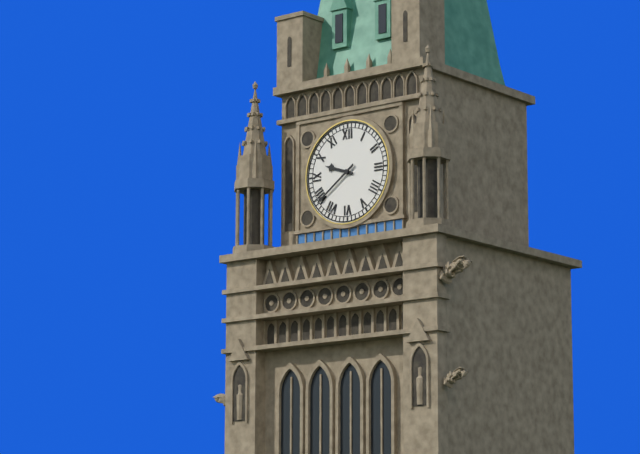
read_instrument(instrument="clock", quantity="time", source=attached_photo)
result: 9:39
